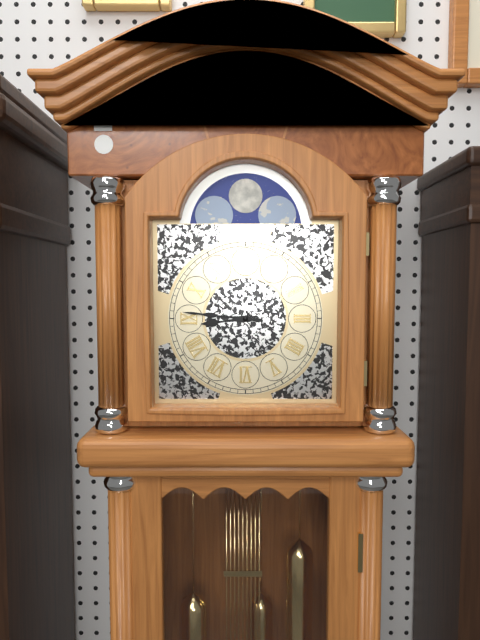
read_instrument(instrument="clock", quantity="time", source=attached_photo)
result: 8:46
